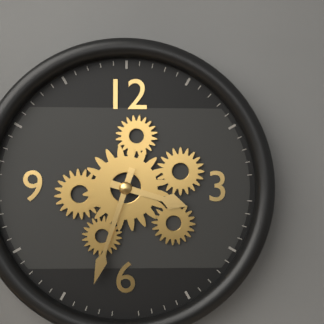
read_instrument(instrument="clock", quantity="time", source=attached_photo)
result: 3:33
